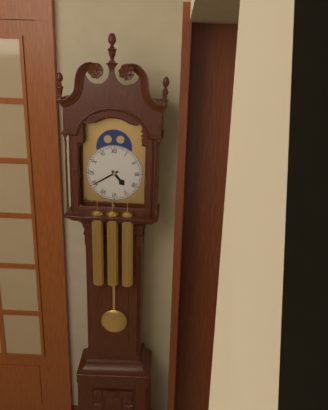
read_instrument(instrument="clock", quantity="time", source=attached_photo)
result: 4:40
